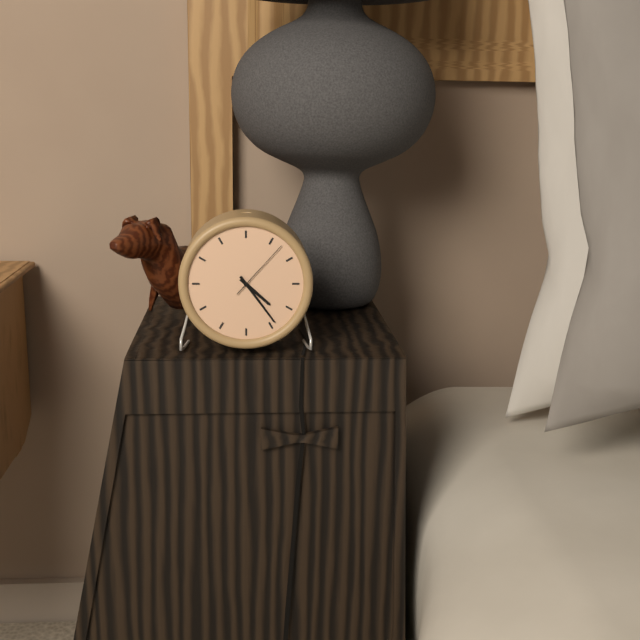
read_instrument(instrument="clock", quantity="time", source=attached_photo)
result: 4:24:07
